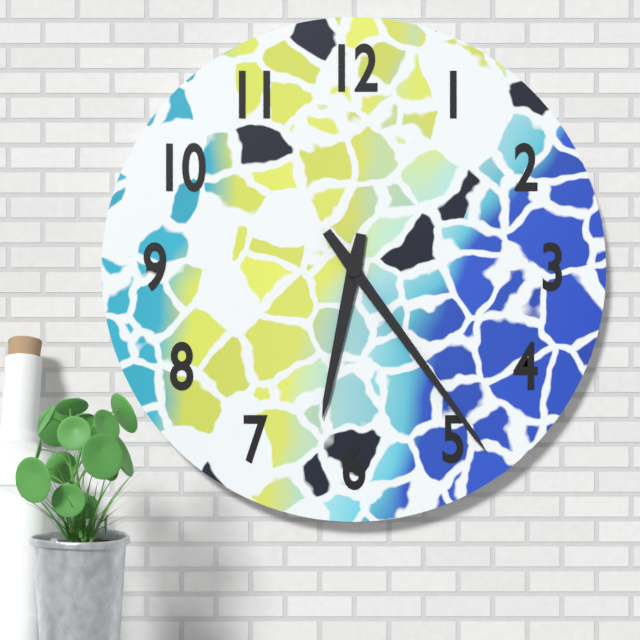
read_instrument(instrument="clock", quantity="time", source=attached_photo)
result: 6:24
